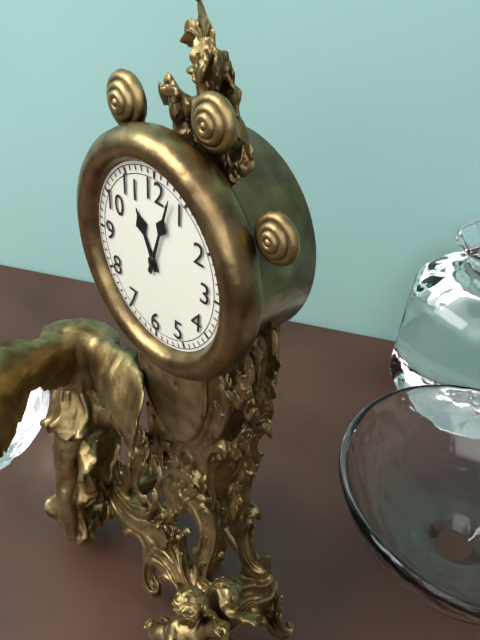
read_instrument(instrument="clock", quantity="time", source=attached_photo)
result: 11:03
